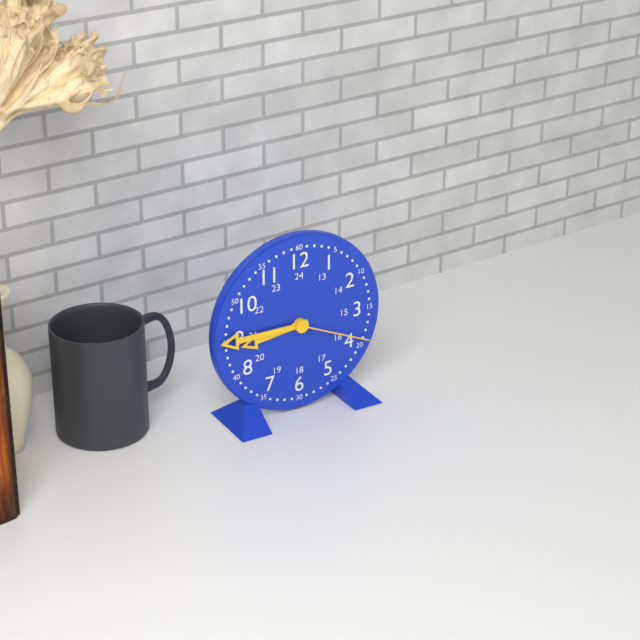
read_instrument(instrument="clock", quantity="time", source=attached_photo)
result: 8:45:19
